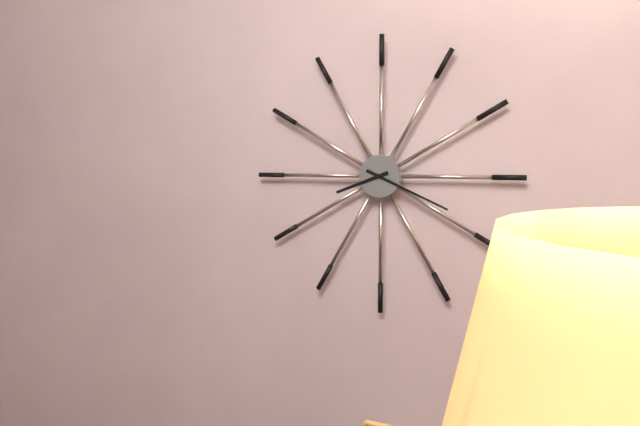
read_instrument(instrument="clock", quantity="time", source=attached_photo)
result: 8:19
